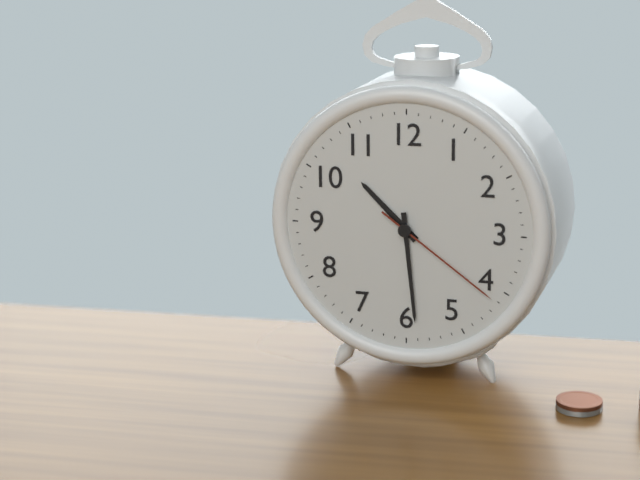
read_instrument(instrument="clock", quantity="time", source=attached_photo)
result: 10:29:21
